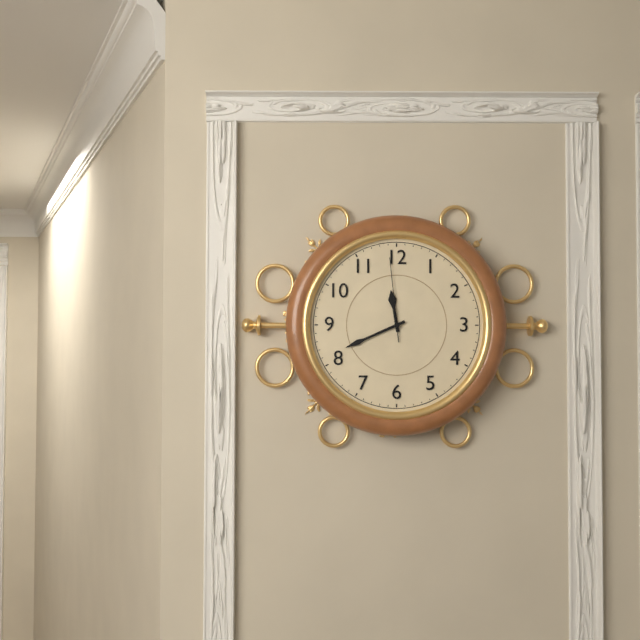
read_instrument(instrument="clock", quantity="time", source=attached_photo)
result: 11:41:59
